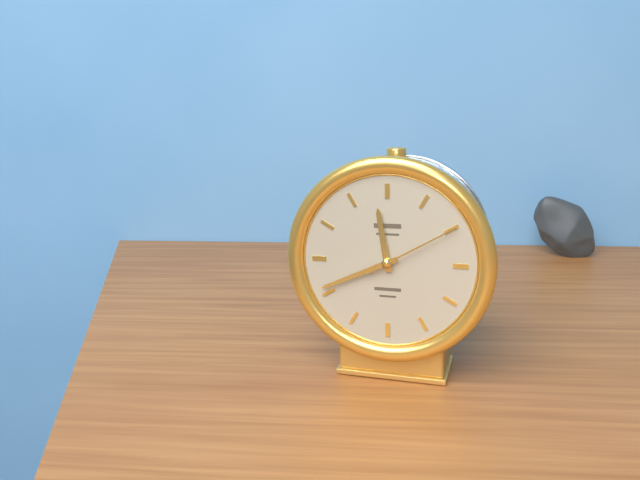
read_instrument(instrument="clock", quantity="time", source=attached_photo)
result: 11:41:10
